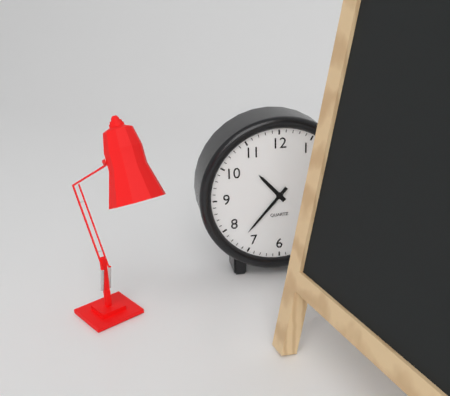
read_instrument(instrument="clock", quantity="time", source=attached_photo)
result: 10:37
